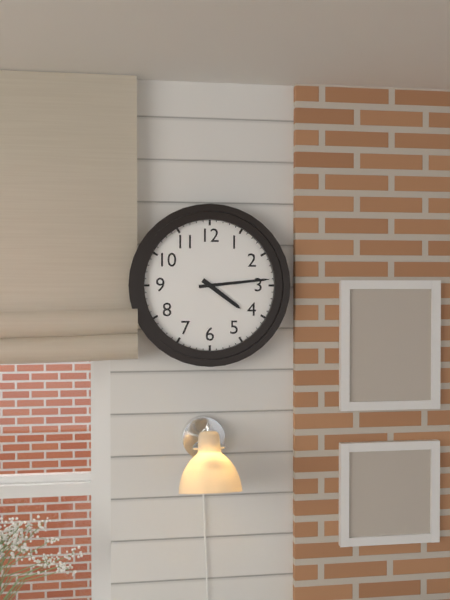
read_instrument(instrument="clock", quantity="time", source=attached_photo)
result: 4:14
